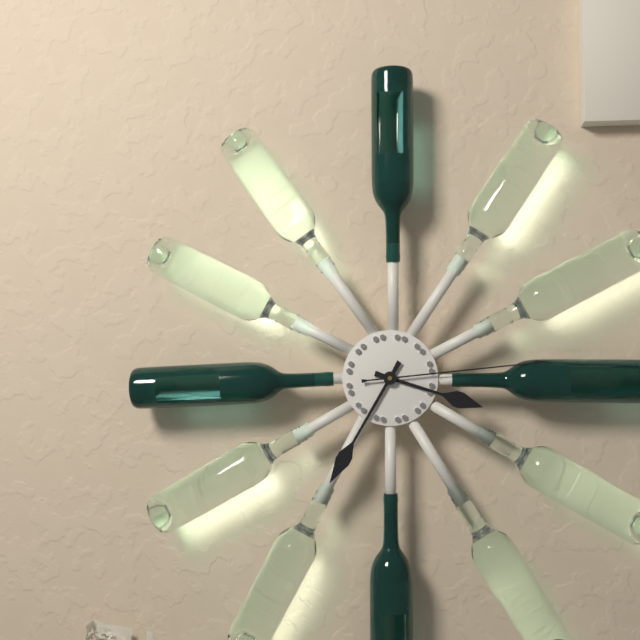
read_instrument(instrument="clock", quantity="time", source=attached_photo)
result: 3:35:14
